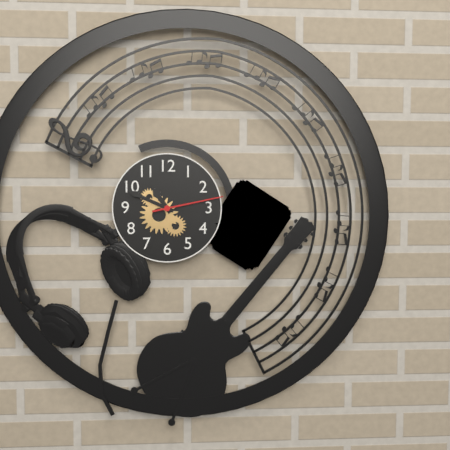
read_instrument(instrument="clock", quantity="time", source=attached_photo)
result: 10:49:13
